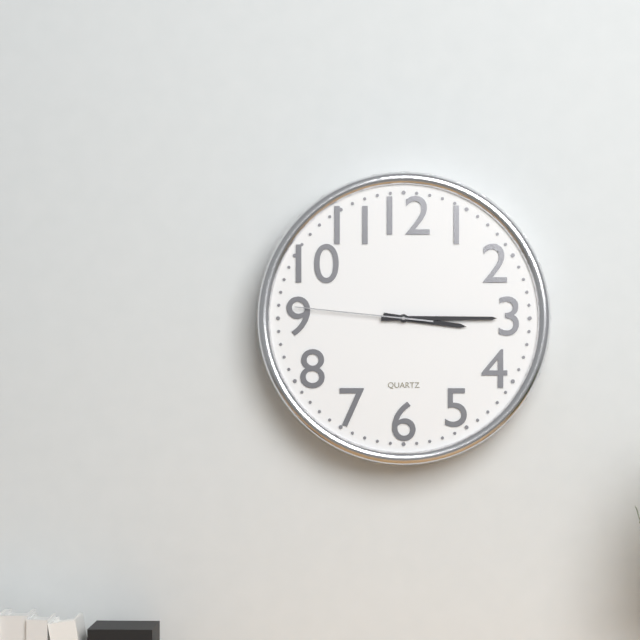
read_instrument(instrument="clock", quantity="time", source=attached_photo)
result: 3:15:46
